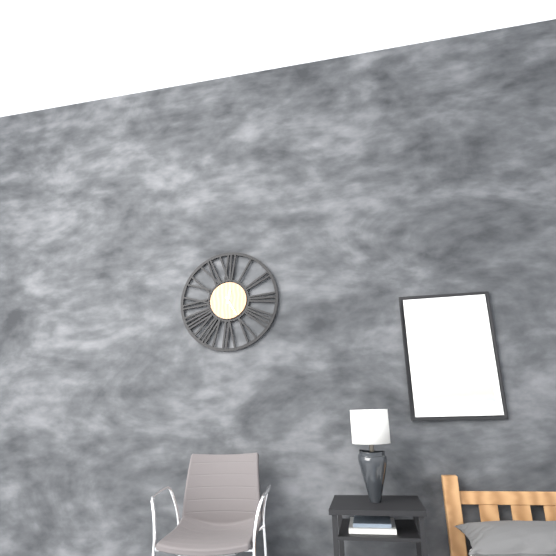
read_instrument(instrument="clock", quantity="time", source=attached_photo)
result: 12:25
